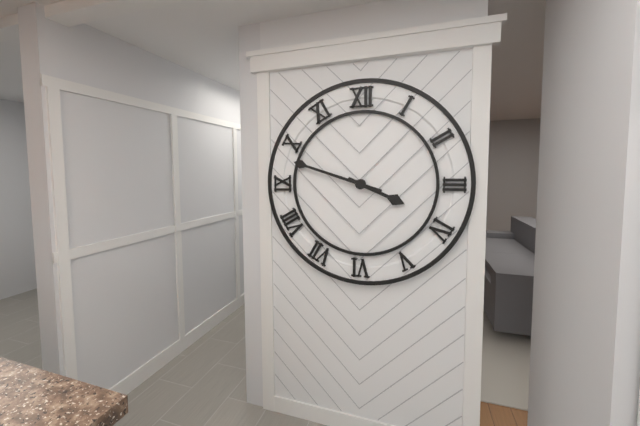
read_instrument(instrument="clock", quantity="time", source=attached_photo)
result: 3:48
